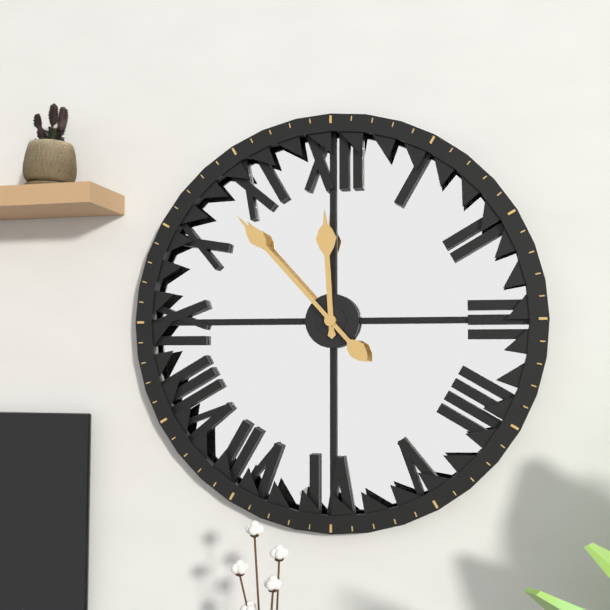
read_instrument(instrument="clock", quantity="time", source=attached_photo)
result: 11:53
